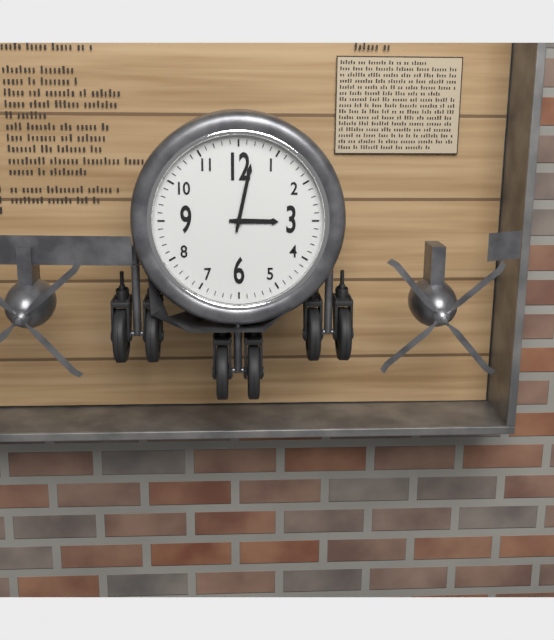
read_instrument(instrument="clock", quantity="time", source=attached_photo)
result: 3:02
